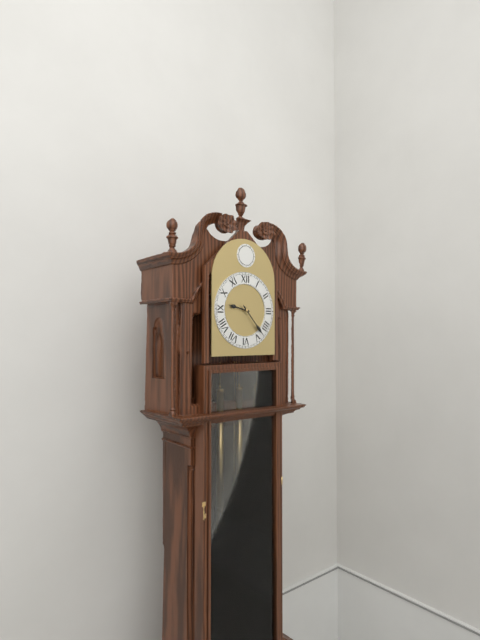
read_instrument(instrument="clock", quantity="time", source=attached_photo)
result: 9:23
